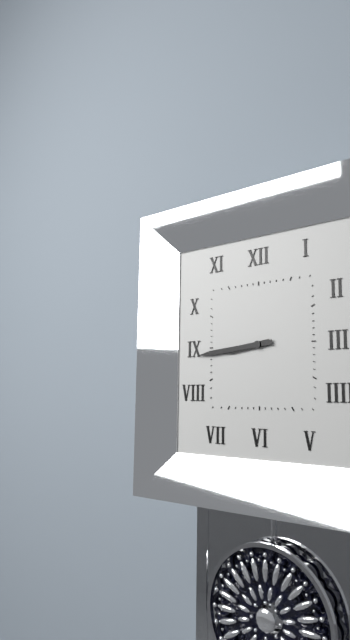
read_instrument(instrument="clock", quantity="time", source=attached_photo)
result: 8:44
